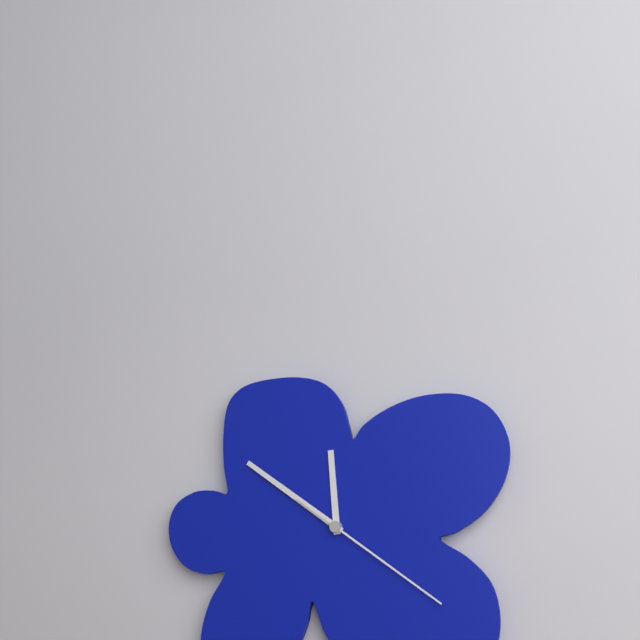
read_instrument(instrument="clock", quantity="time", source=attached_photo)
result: 11:51:21
